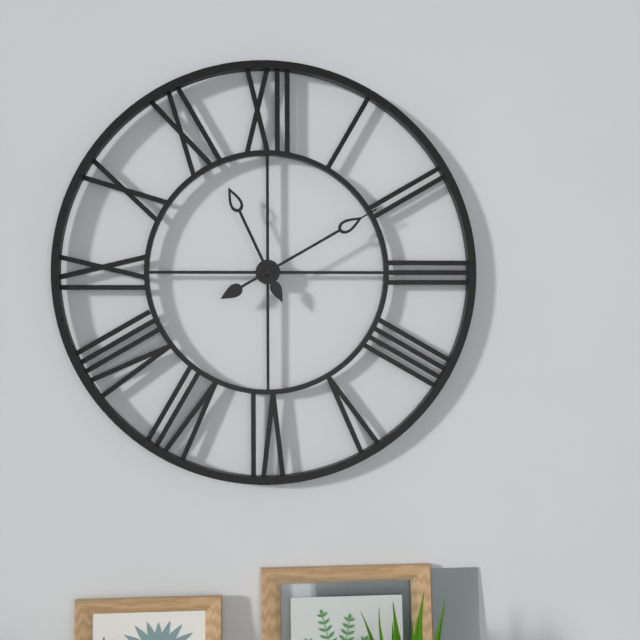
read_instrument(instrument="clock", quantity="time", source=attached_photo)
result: 11:10
